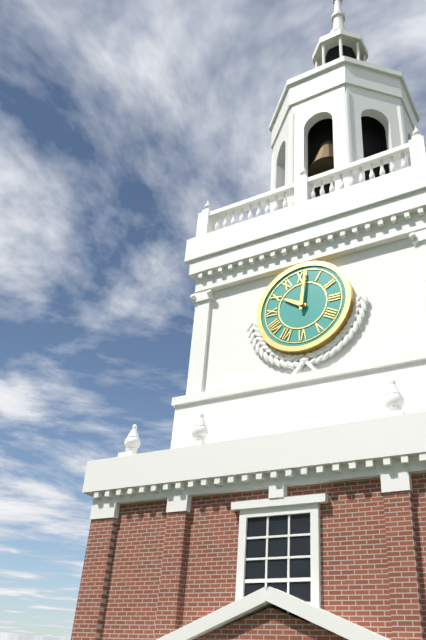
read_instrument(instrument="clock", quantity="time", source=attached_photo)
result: 10:01
